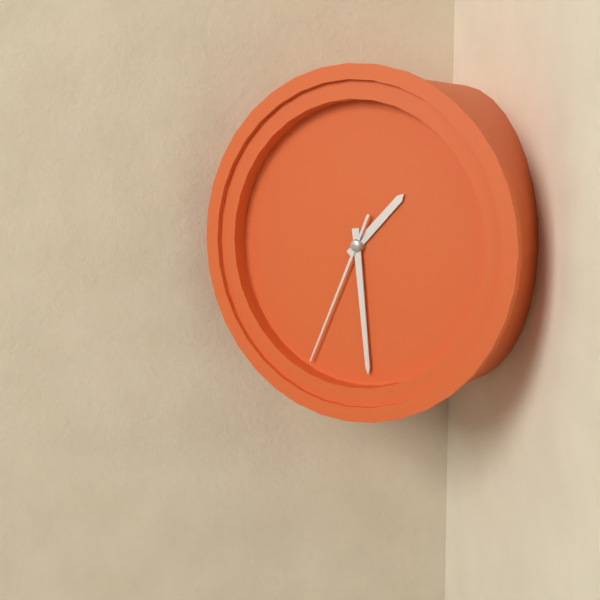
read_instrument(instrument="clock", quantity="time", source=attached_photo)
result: 1:29:34
